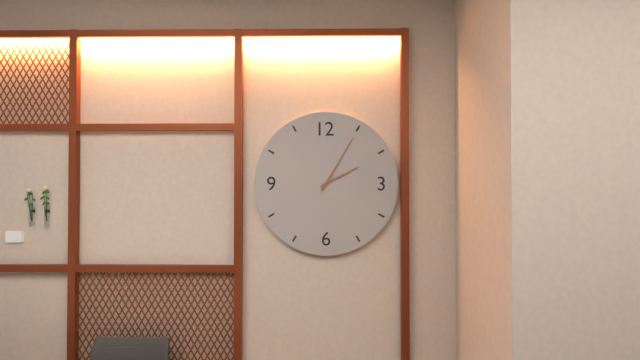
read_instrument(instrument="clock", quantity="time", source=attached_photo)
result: 2:05
